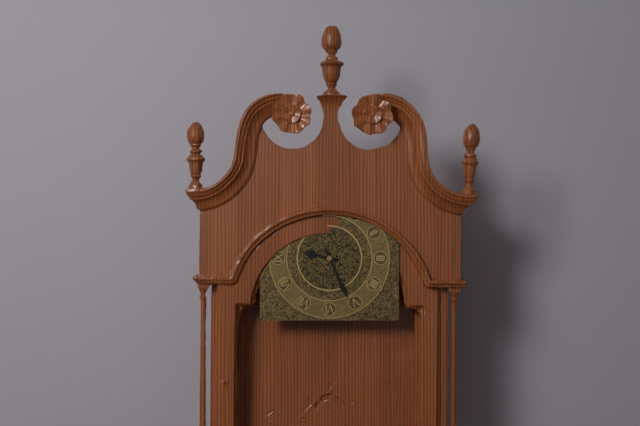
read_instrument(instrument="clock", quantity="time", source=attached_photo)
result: 9:26
